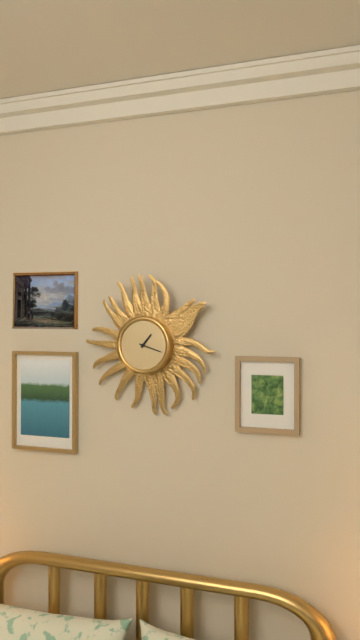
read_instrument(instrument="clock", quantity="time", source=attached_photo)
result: 1:18
